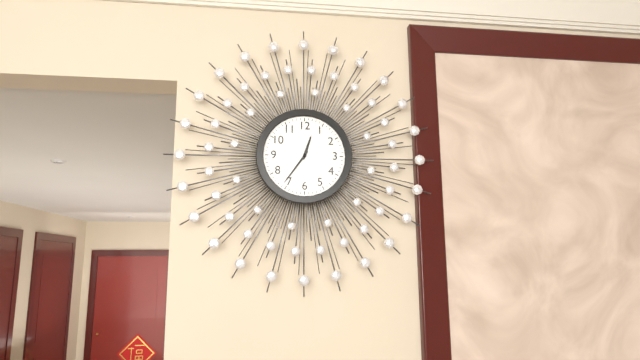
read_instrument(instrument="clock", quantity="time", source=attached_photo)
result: 12:36
